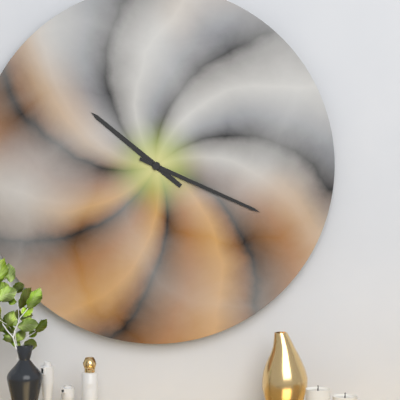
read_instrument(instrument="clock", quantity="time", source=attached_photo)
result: 10:19
